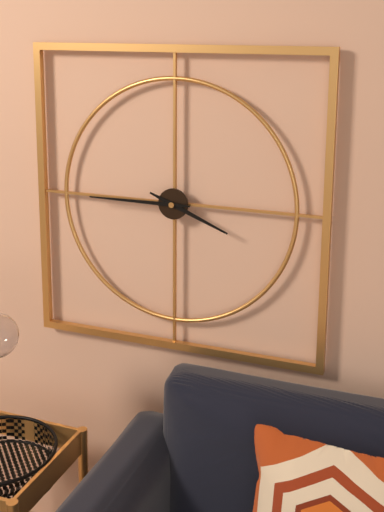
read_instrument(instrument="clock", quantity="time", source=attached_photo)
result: 3:45
